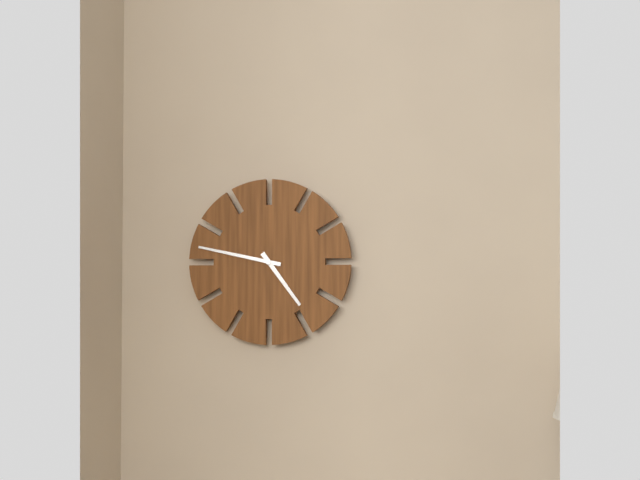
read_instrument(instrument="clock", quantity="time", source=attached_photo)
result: 4:47
